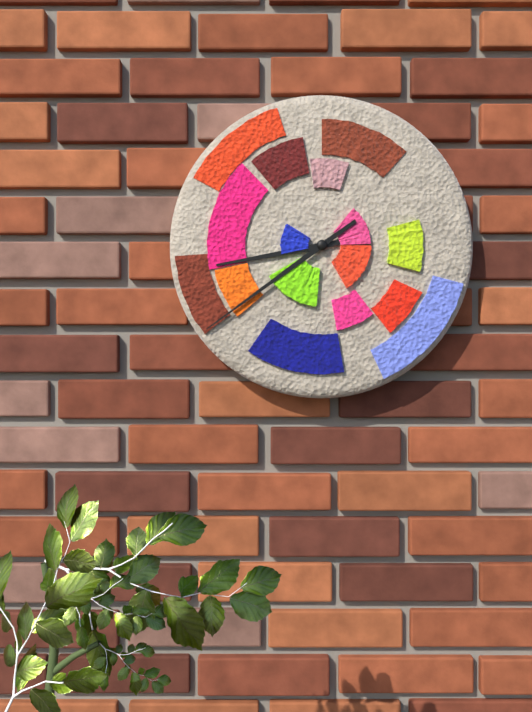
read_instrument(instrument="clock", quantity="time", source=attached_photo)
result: 8:39
